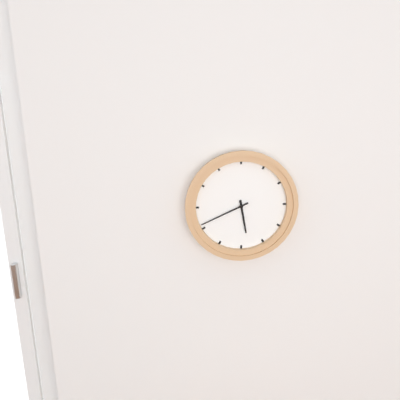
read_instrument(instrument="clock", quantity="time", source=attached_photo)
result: 5:41
